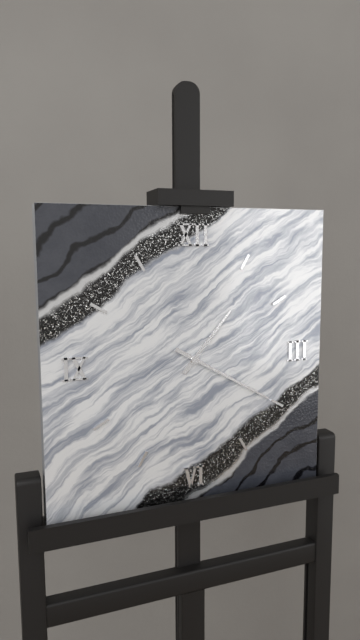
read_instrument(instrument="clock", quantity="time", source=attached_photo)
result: 1:20
